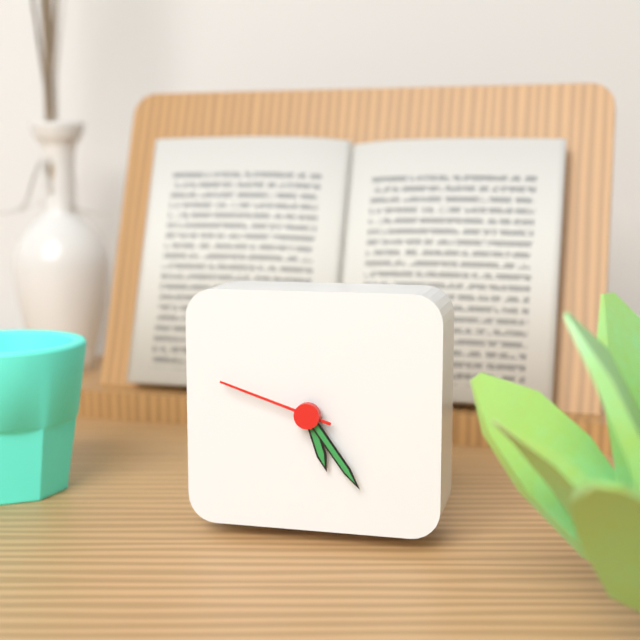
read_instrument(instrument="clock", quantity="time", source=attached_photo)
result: 5:24:48
